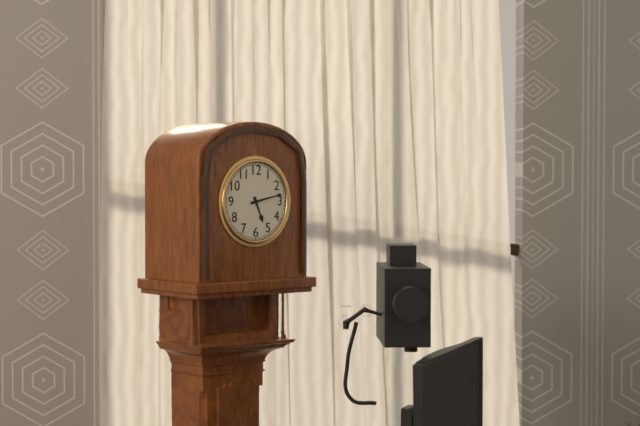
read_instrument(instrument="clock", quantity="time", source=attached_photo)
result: 5:13
